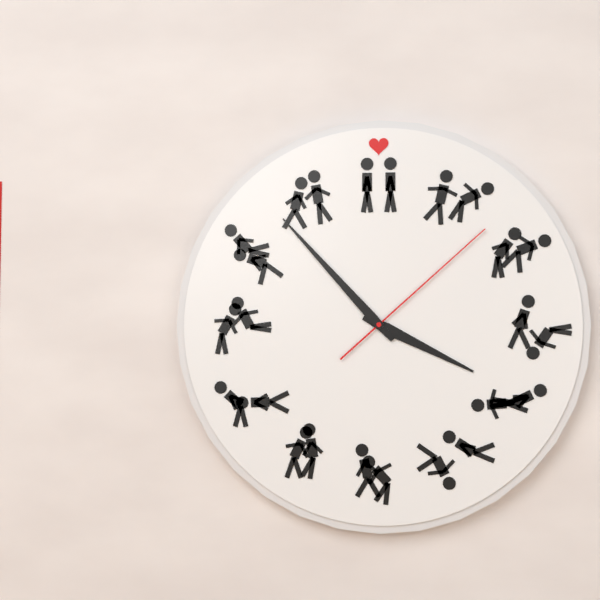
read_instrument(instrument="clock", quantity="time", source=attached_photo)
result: 3:53:08
